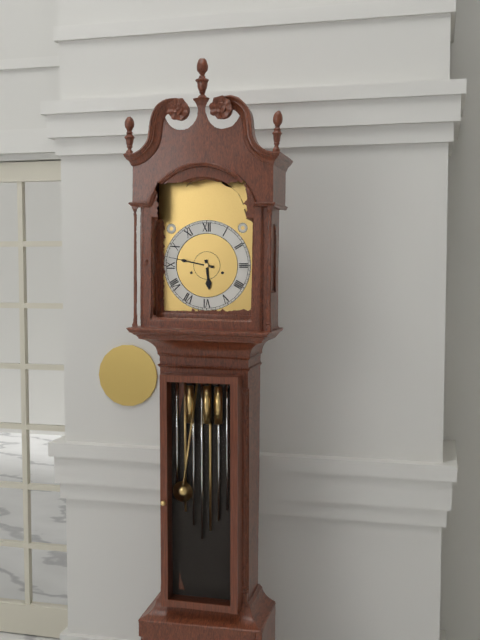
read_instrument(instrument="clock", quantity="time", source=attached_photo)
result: 5:47
